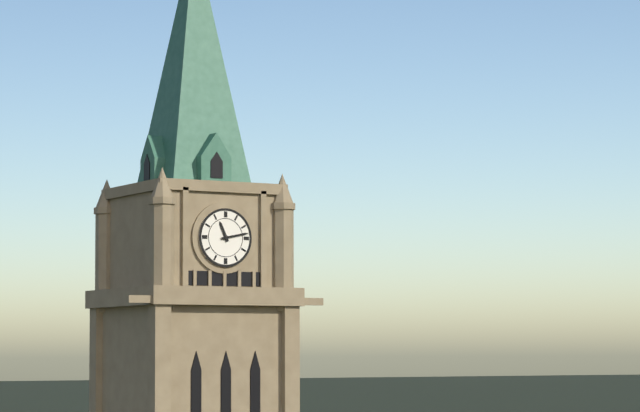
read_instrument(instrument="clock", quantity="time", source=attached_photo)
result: 11:13
